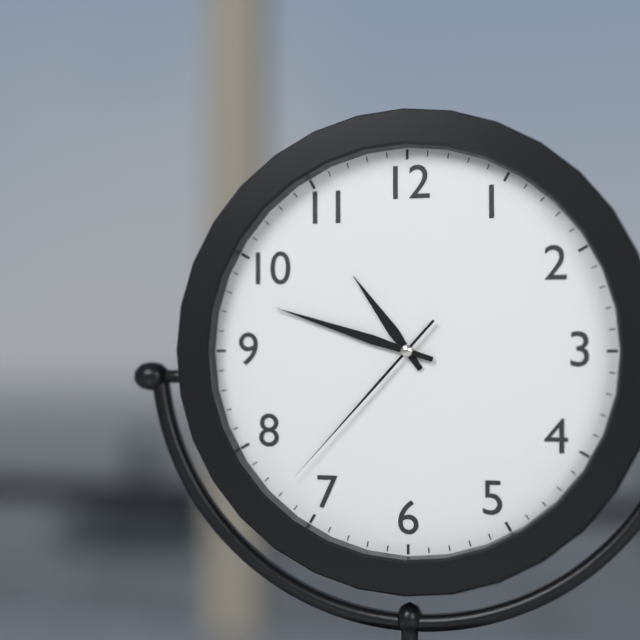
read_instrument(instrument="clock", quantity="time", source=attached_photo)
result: 10:48:37
